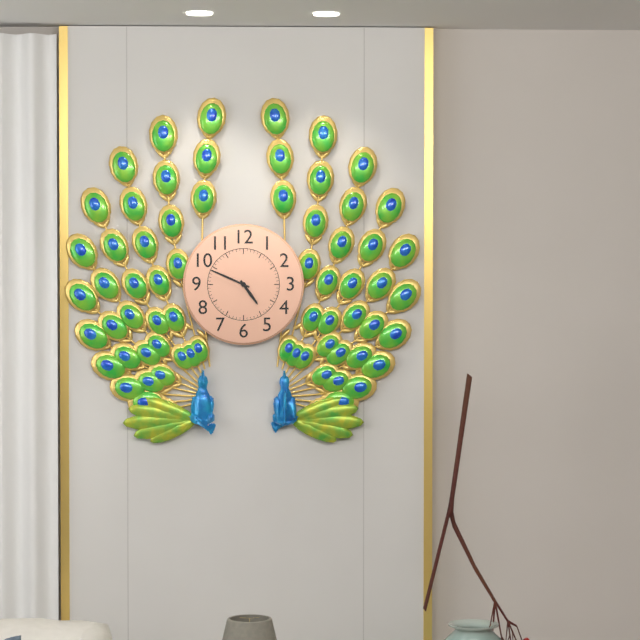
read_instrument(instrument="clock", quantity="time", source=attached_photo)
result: 4:49
